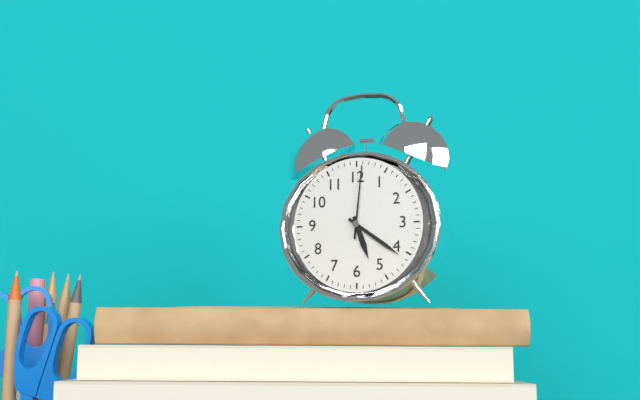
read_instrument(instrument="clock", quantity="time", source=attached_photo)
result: 5:21:01
